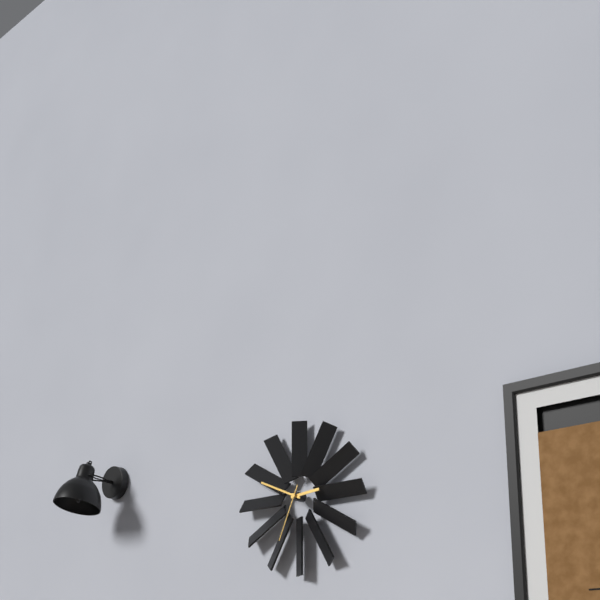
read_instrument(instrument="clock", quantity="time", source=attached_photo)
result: 2:49:34
